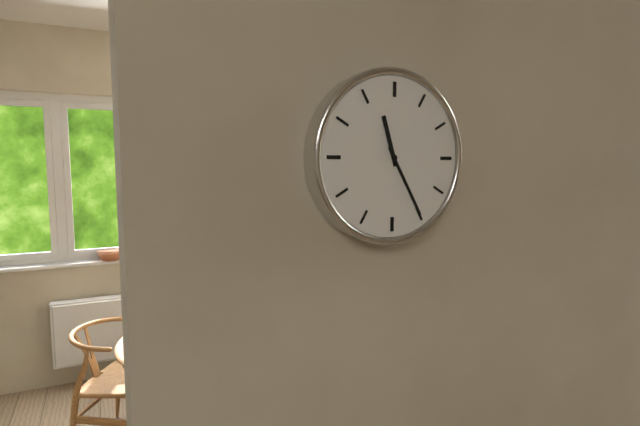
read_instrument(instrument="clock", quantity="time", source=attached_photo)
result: 11:25
